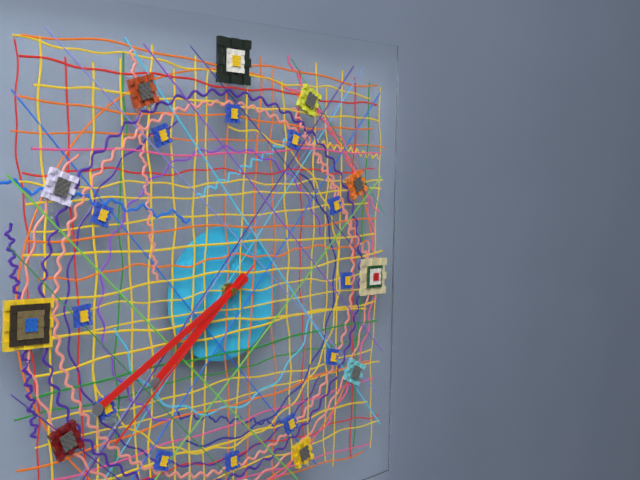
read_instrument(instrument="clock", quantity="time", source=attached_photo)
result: 7:40:38
